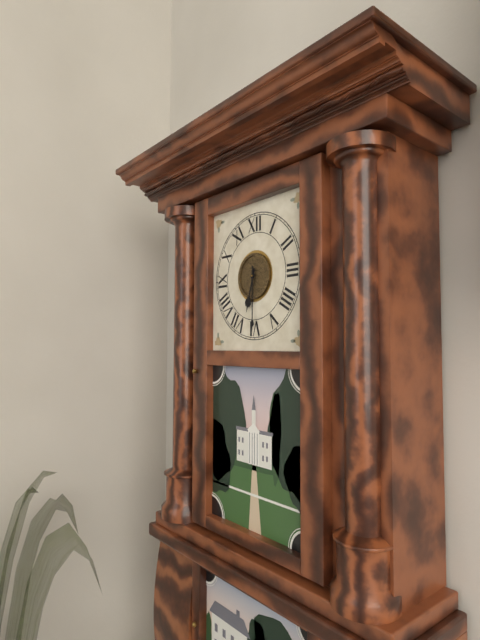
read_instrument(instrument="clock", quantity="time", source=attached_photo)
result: 6:30
